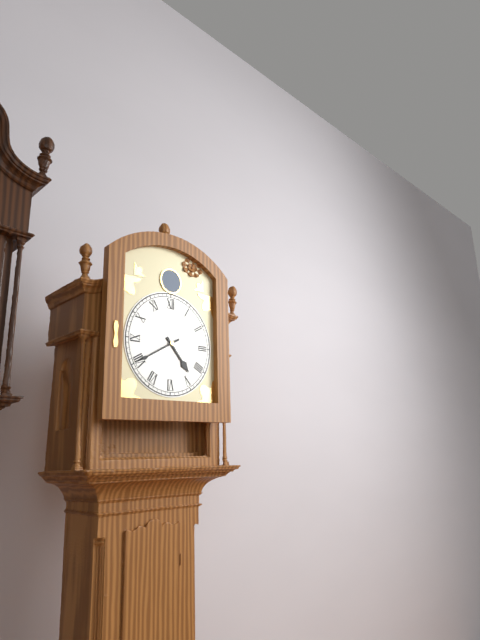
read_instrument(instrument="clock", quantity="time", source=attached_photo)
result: 4:40
